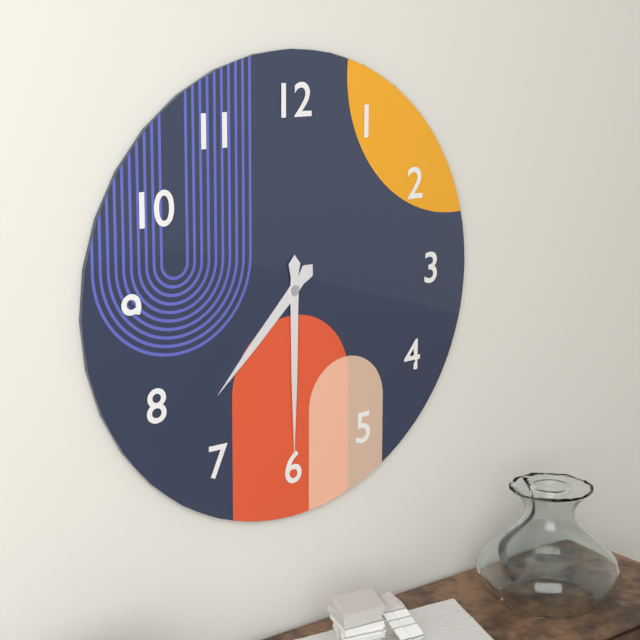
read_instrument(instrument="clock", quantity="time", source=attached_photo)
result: 7:30
